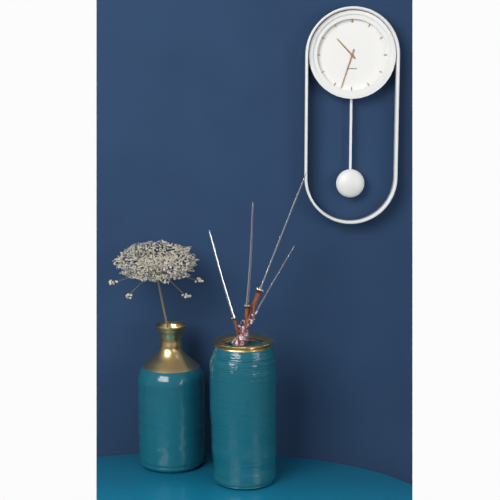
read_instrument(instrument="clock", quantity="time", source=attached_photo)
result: 10:33
